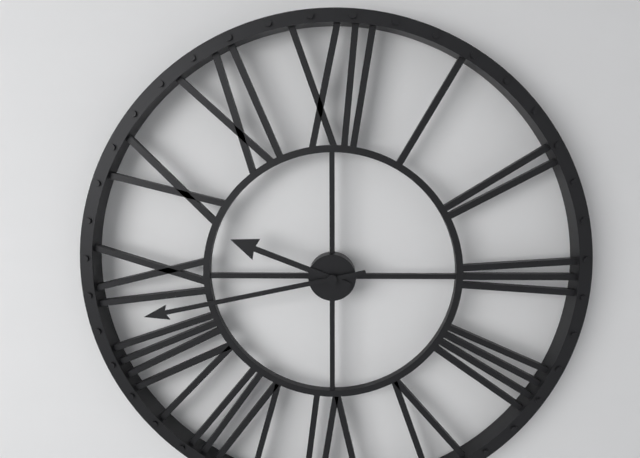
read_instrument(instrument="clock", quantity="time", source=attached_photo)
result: 9:43
